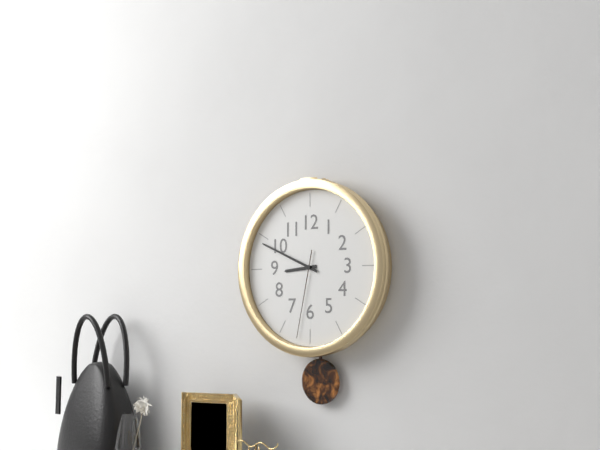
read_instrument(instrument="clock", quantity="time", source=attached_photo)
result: 8:49:32
